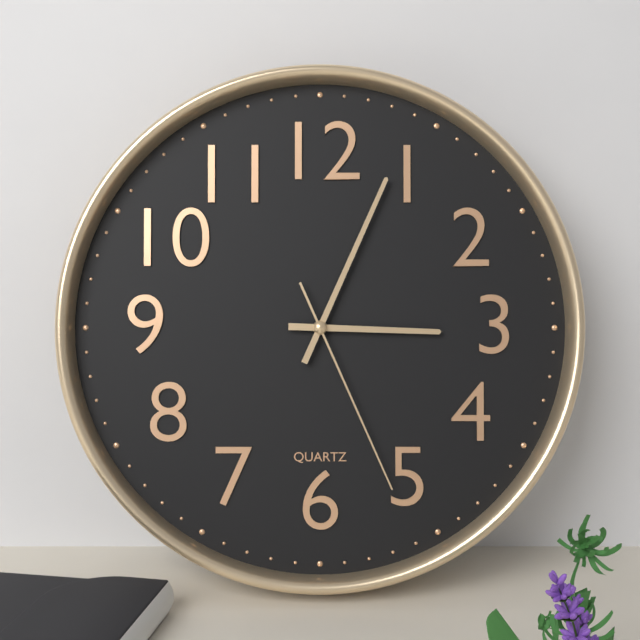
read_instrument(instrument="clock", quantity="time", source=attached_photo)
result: 3:04:26
